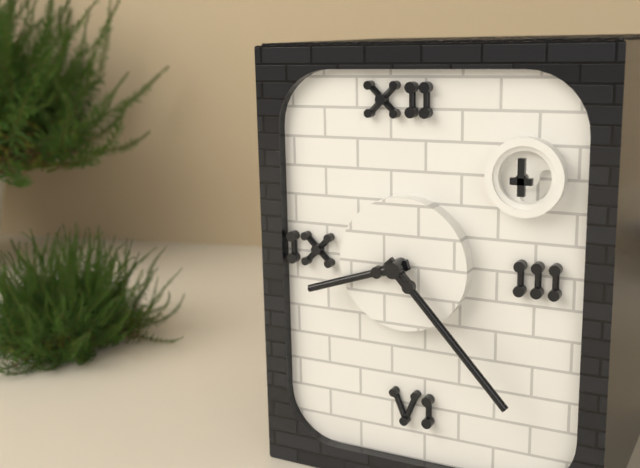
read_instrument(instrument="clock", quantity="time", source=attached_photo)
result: 8:23
